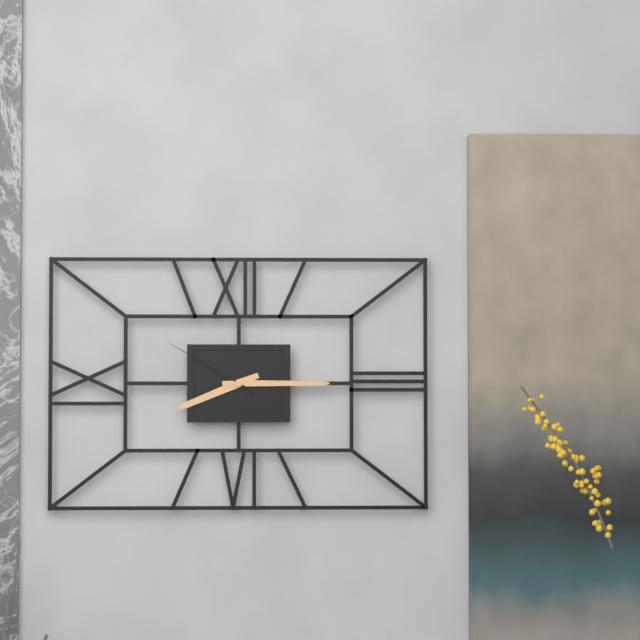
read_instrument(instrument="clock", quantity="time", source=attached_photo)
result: 8:15:50
